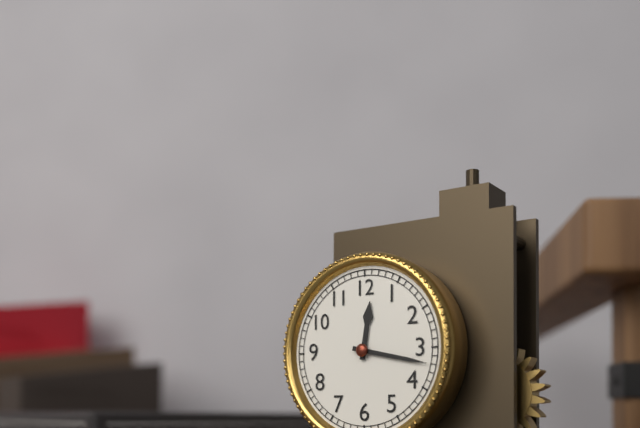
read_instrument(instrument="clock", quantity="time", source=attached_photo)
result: 12:17
